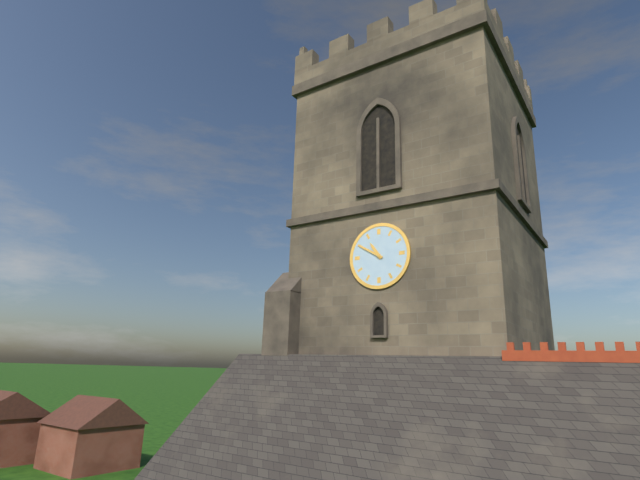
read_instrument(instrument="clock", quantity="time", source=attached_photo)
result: 10:50
